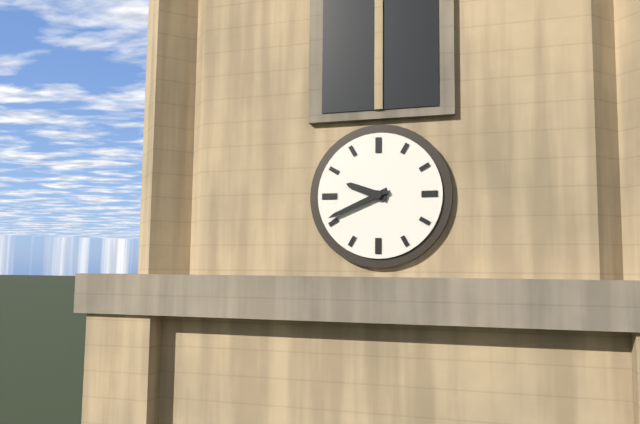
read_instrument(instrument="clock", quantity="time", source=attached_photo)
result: 9:41
